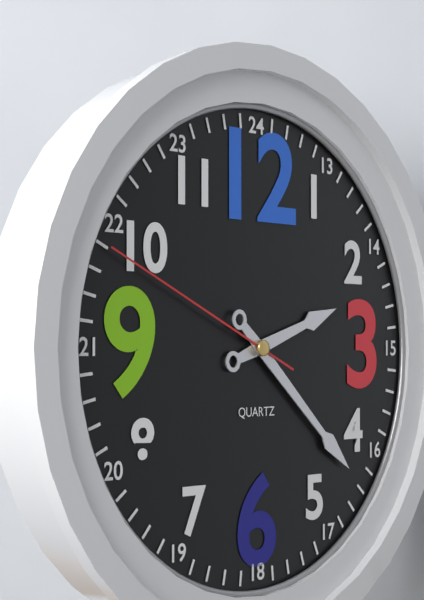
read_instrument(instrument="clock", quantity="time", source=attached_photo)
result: 2:22:49
